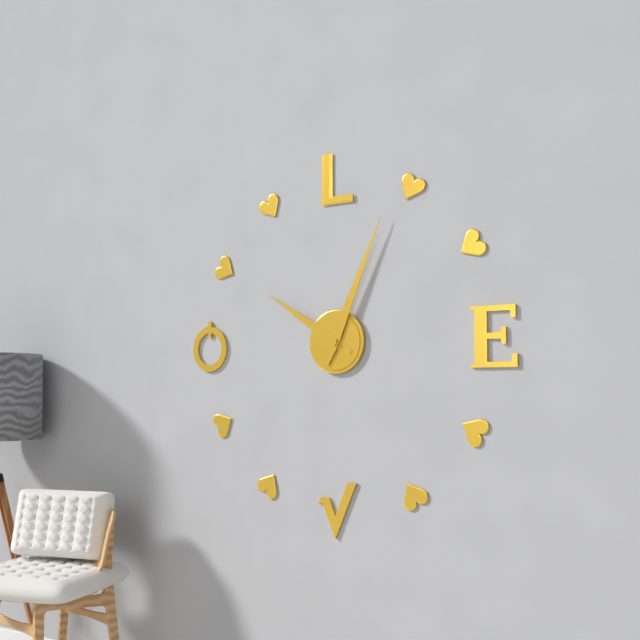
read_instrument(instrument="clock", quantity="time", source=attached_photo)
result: 10:04
